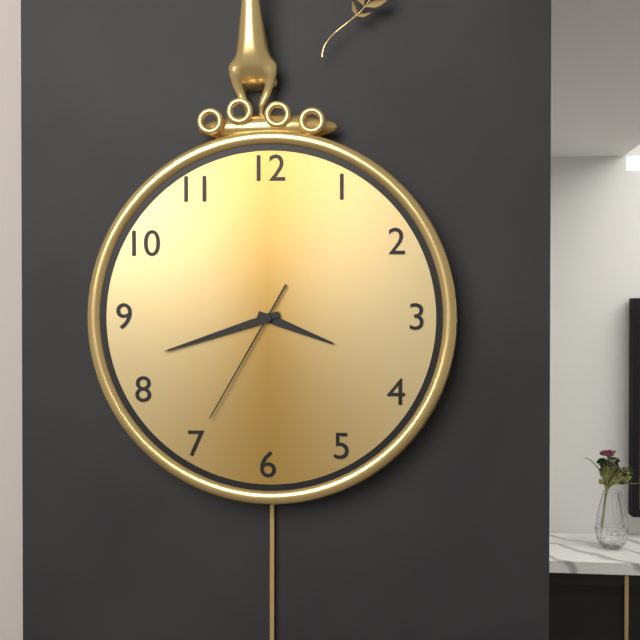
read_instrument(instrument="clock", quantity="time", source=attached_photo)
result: 3:42:35
